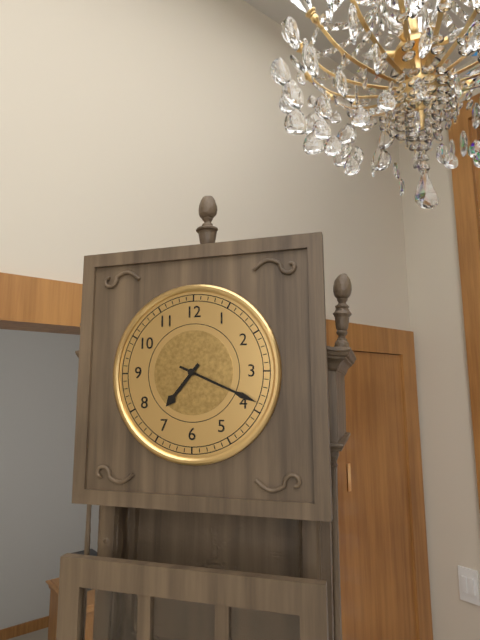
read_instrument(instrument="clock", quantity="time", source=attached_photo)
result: 7:19
